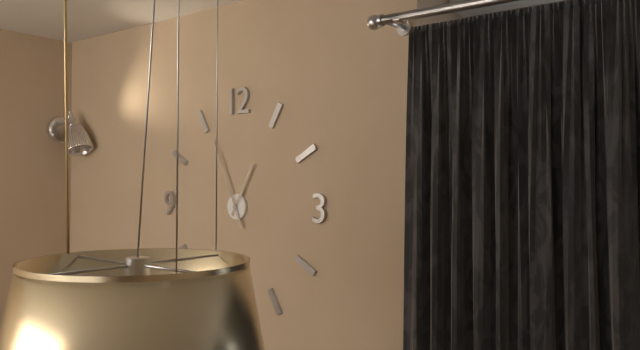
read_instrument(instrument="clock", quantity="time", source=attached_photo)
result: 12:56
